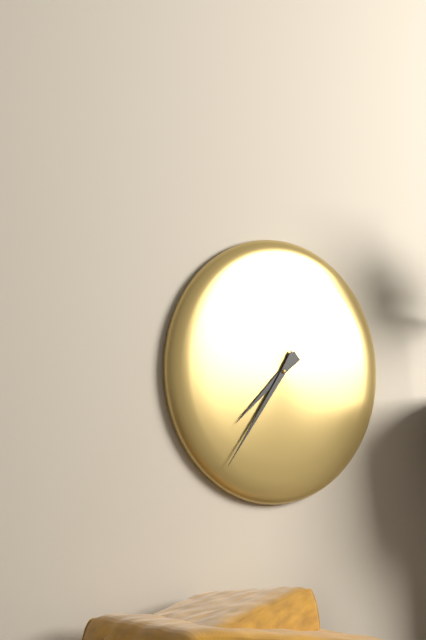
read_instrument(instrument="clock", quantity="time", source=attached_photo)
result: 7:36
